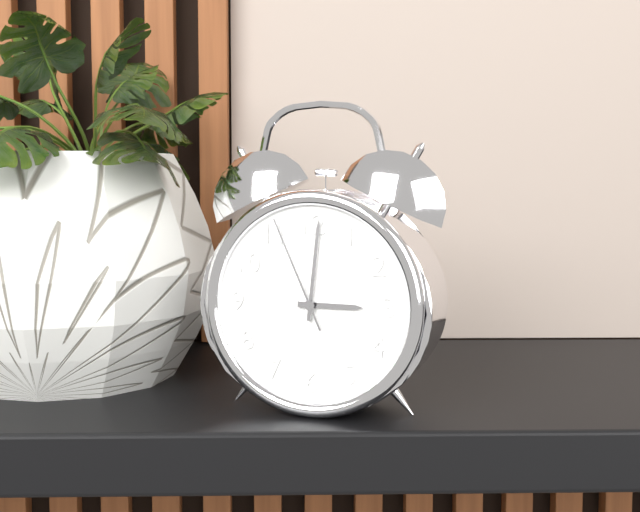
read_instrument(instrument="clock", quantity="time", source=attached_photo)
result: 3:01:56
